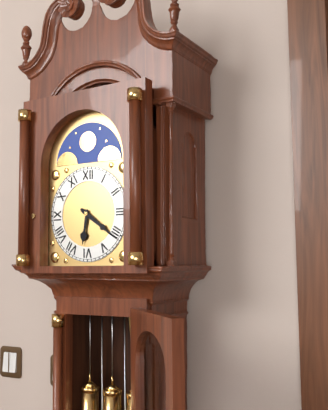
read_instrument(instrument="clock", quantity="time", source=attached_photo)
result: 6:21
